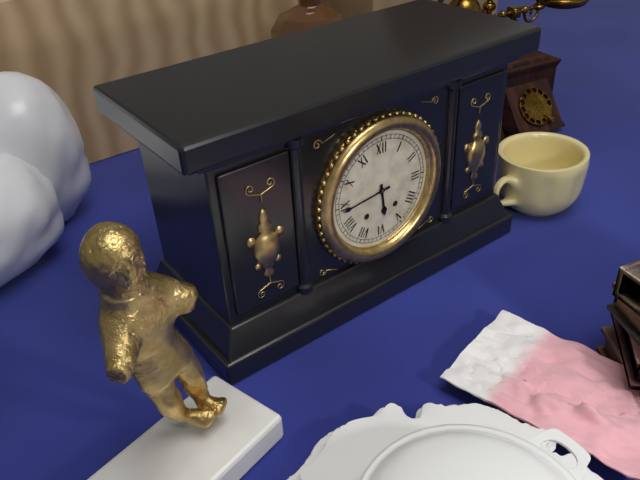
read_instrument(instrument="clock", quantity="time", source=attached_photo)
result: 5:44
